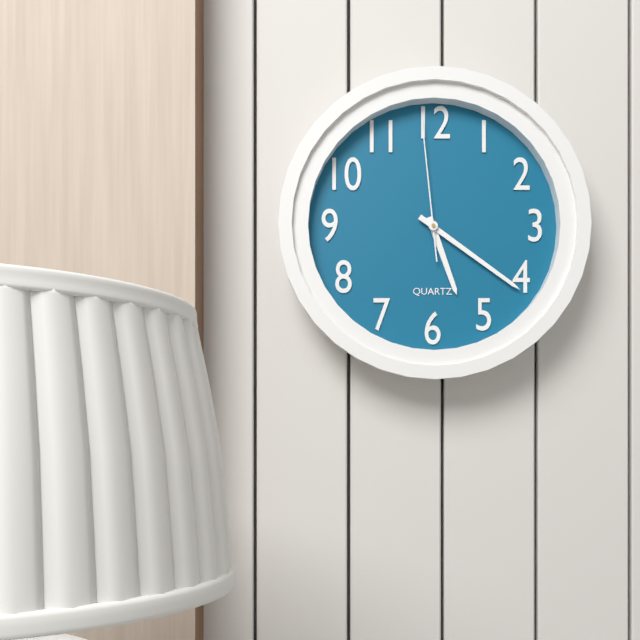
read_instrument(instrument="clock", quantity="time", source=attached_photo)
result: 5:21:59
